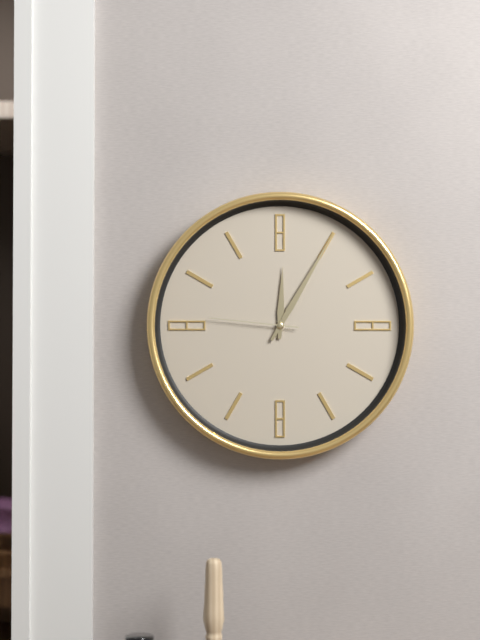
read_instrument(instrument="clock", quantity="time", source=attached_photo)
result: 12:05:46
